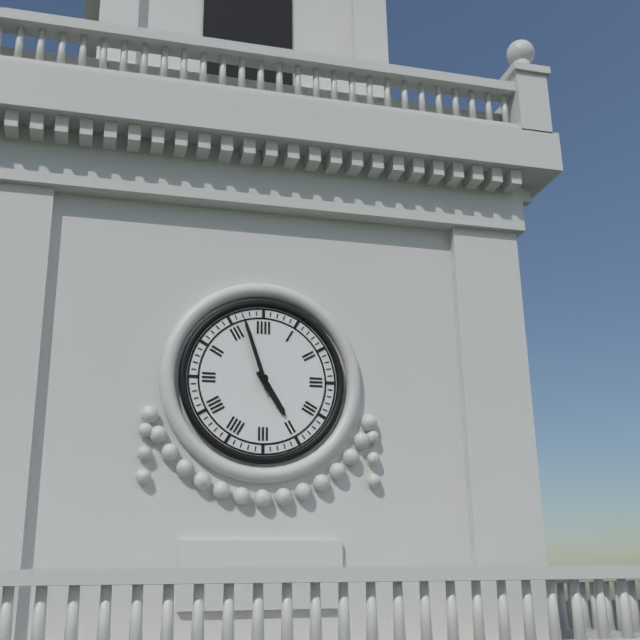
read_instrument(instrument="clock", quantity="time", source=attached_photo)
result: 4:57
